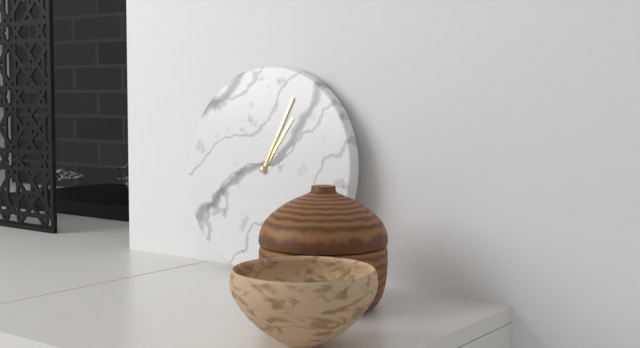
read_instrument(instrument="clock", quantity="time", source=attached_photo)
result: 1:04
